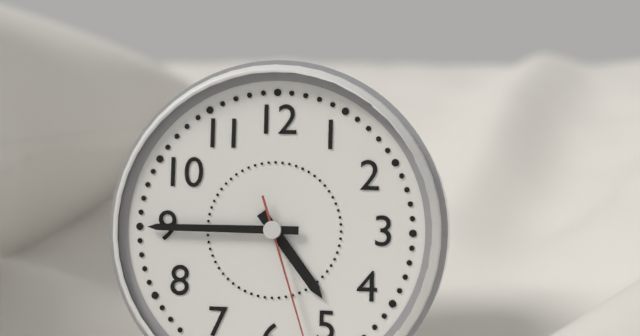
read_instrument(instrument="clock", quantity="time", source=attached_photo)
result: 4:45
